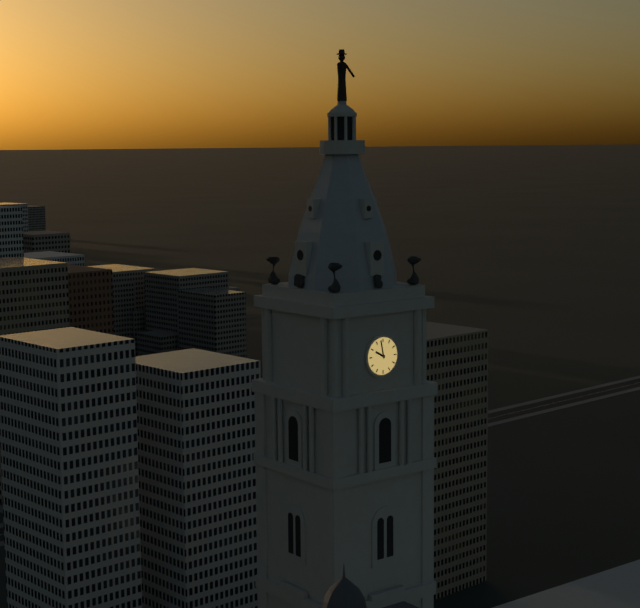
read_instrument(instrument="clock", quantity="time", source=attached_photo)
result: 9:58
